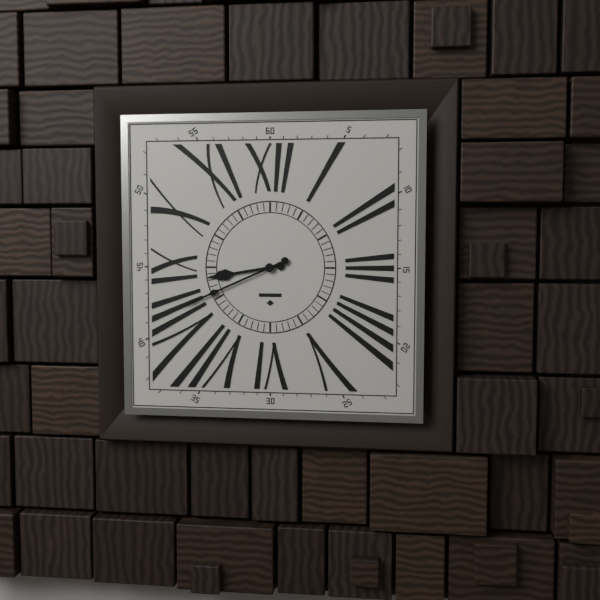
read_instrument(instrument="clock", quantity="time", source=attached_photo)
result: 8:41
